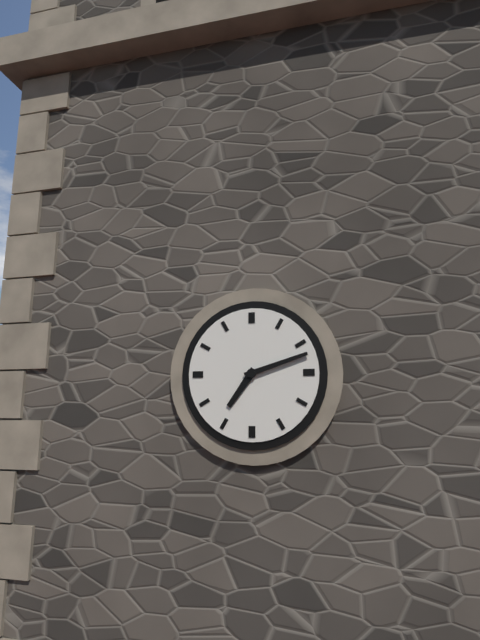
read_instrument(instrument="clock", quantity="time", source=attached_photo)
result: 7:12
